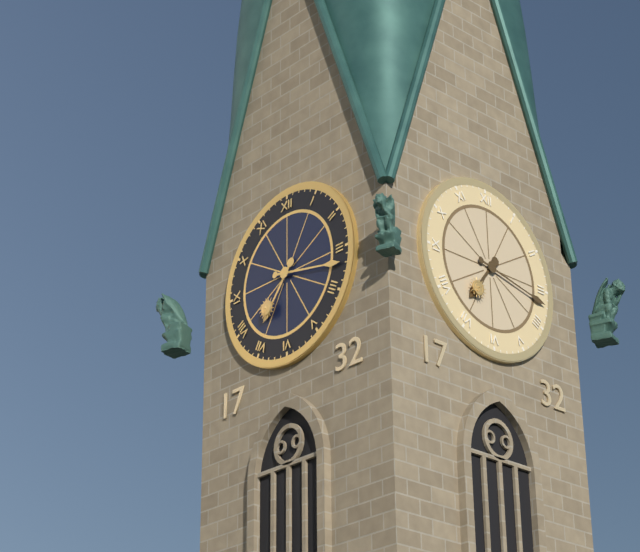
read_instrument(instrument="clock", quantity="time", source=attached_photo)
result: 7:17
